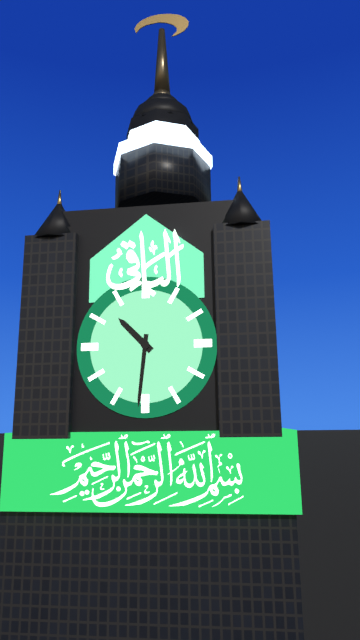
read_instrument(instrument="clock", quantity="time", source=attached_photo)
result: 10:31
